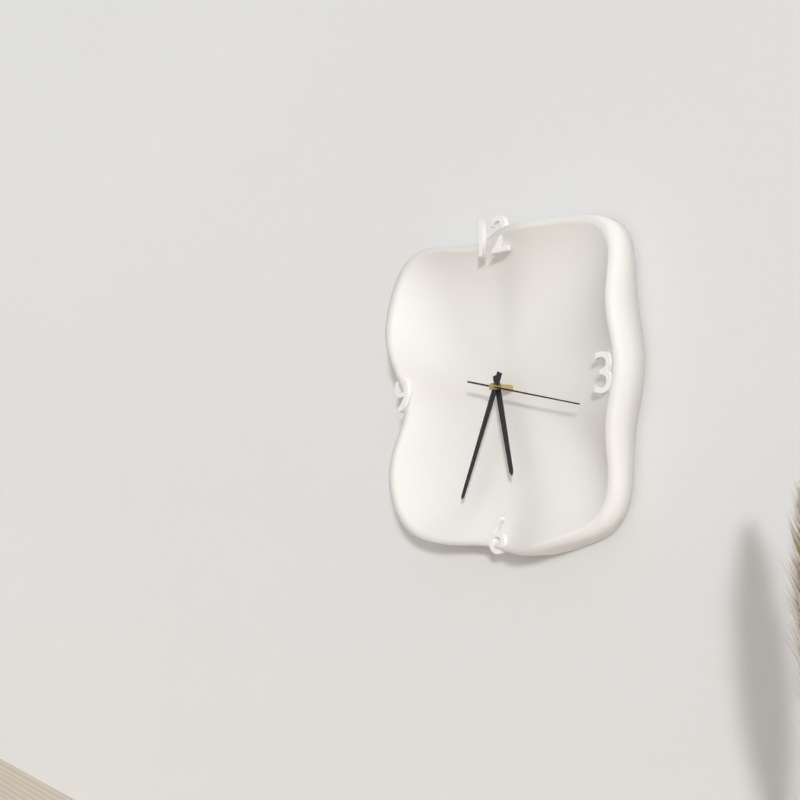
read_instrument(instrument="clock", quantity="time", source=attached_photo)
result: 5:34:17
